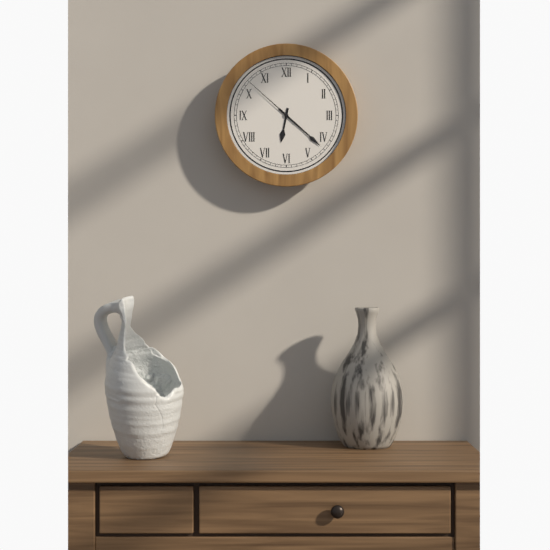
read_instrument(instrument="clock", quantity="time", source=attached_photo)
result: 6:22:52
